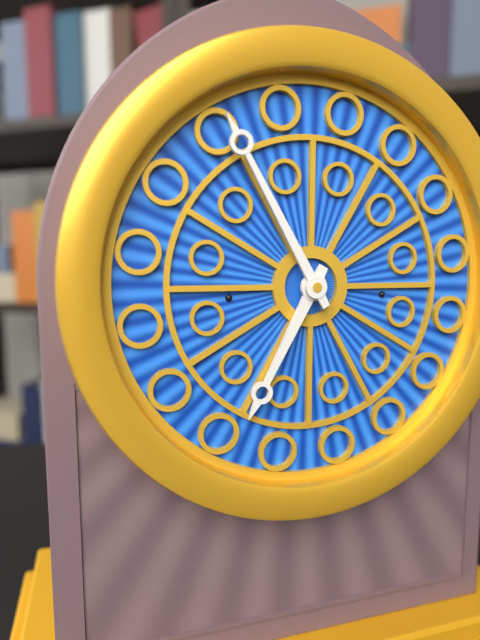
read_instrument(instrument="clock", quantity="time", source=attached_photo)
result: 6:55
